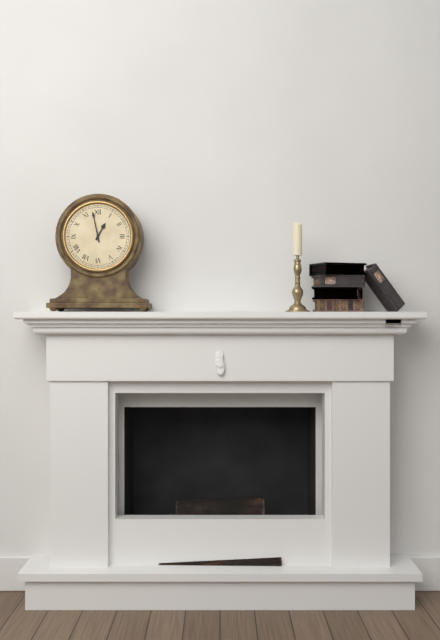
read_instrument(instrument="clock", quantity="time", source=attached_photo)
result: 12:58
